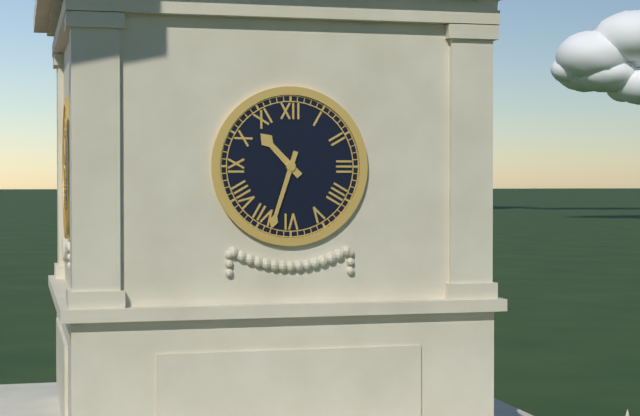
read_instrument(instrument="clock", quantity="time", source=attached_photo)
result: 10:33
